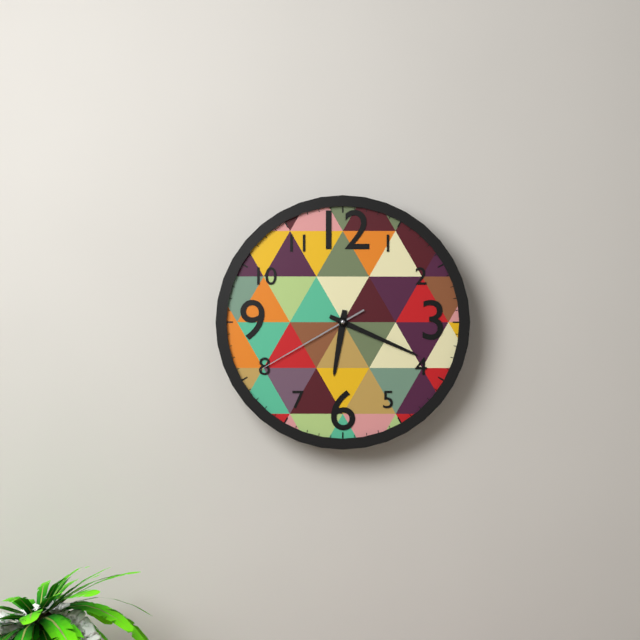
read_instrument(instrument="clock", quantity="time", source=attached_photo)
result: 6:19:40
